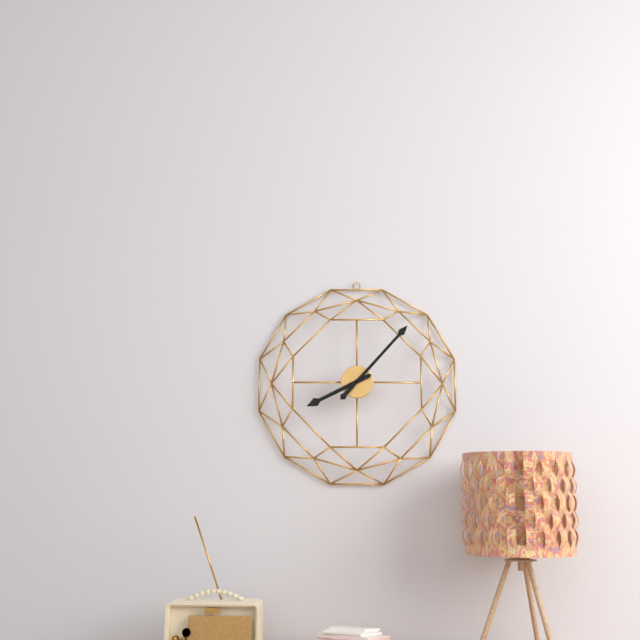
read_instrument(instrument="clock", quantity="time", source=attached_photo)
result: 8:07
